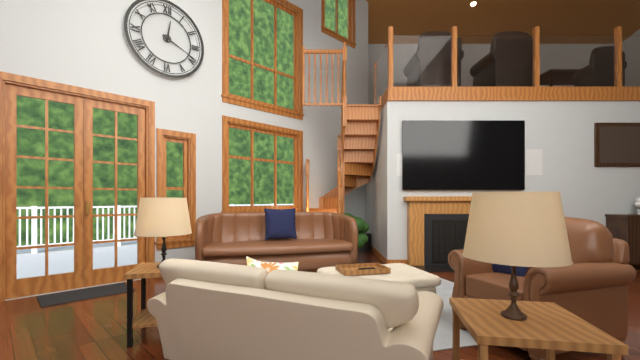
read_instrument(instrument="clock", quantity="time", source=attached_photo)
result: 12:19
